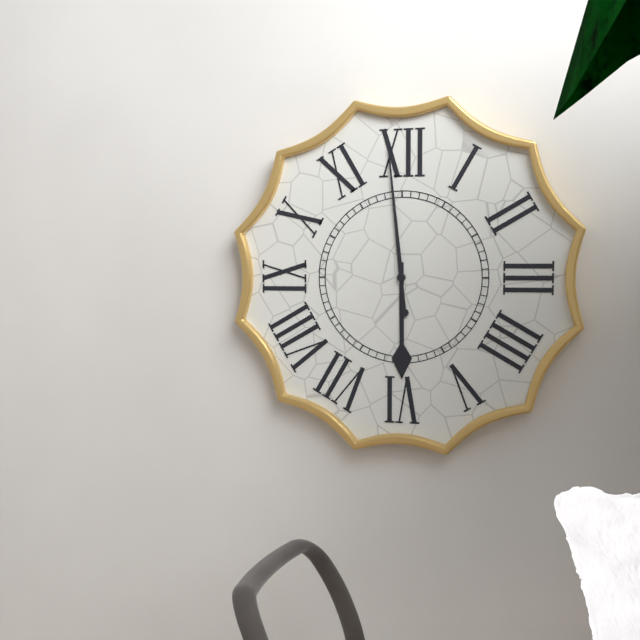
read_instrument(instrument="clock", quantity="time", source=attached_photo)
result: 5:59
